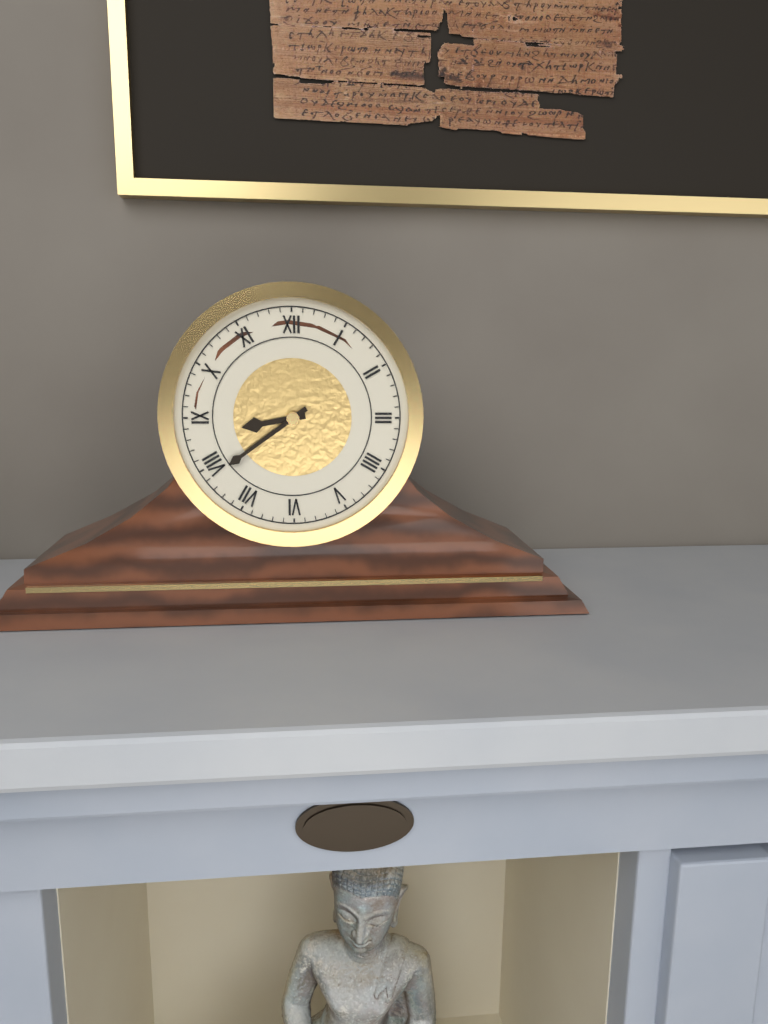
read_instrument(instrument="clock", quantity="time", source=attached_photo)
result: 8:39
